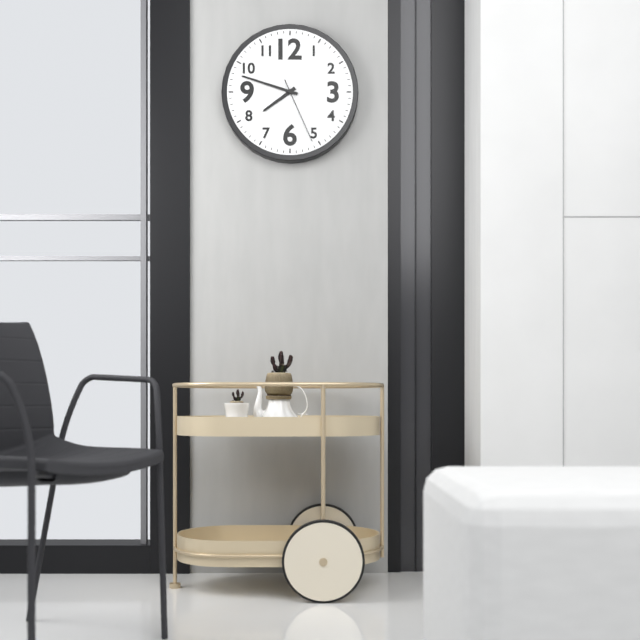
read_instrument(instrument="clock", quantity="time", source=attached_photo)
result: 7:48:26
